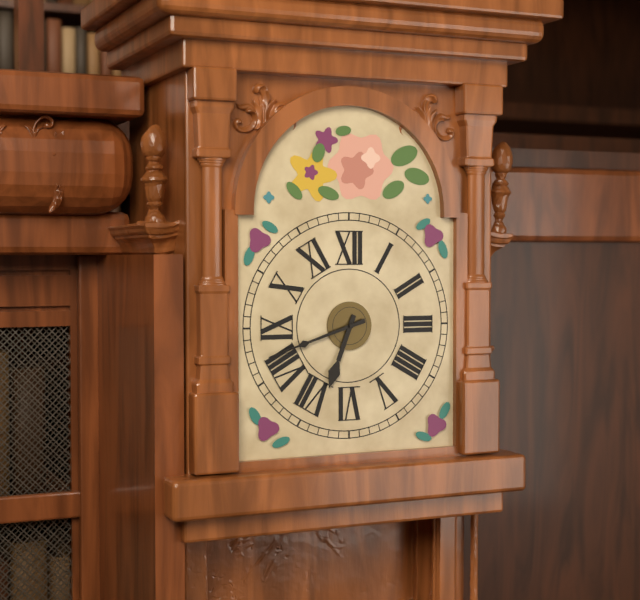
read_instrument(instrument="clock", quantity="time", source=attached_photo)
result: 6:42
